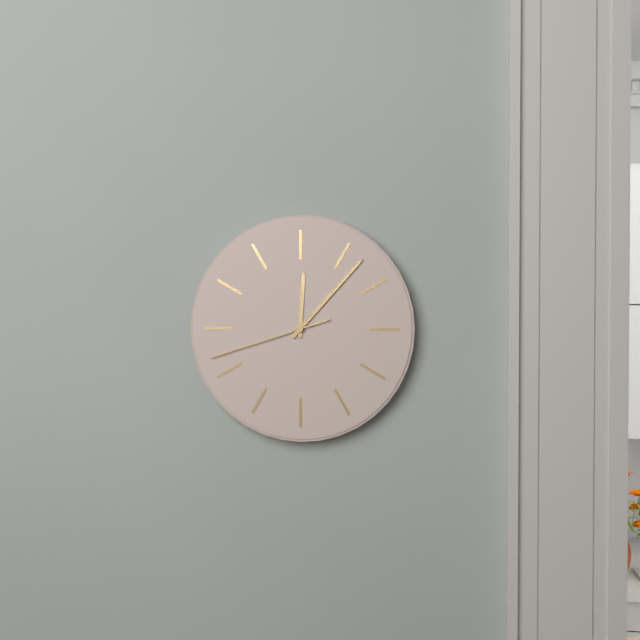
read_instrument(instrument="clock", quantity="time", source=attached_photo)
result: 12:07:42
